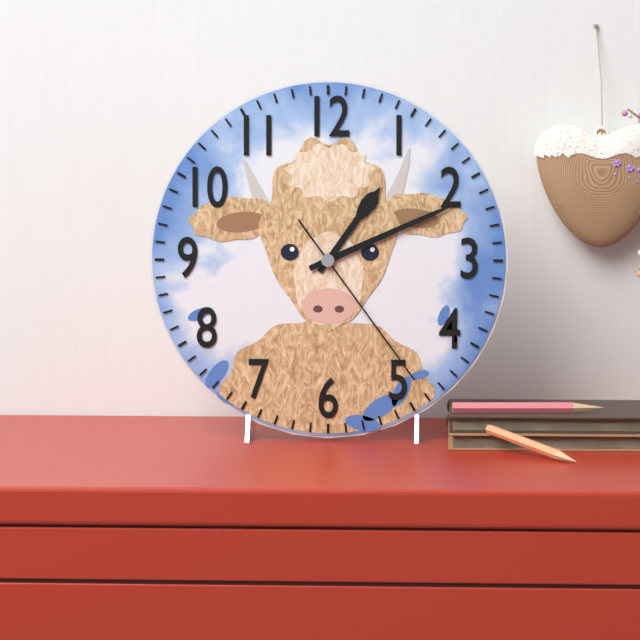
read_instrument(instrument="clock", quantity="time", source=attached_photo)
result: 1:11:24
